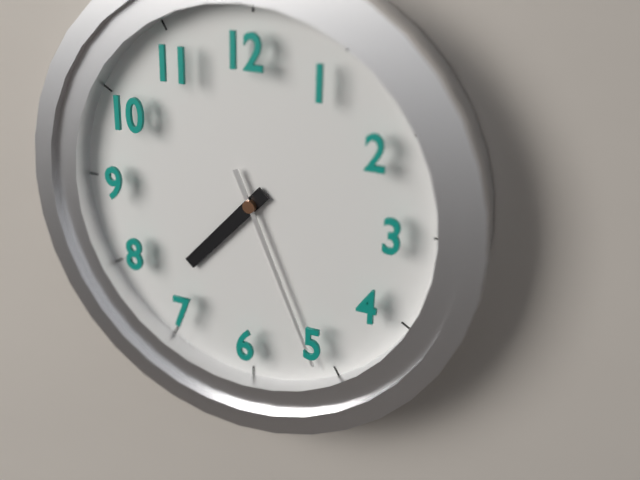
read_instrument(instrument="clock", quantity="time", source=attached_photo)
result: 7:26
